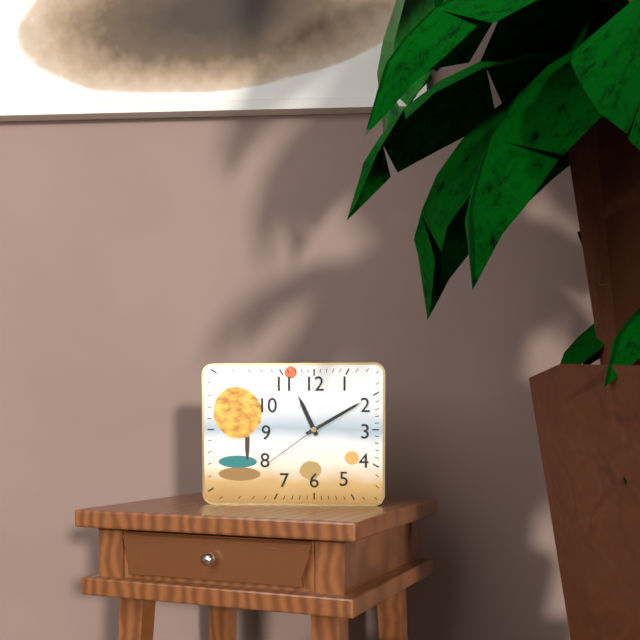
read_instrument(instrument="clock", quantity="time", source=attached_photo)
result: 11:10:39
